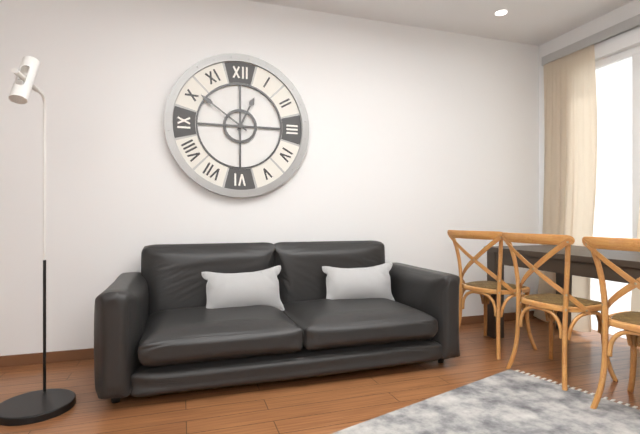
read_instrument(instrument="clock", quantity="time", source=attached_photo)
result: 12:51
